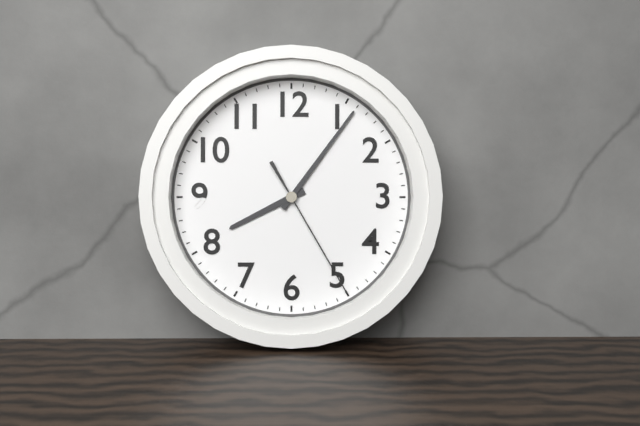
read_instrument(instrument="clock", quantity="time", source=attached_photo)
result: 8:06:25
